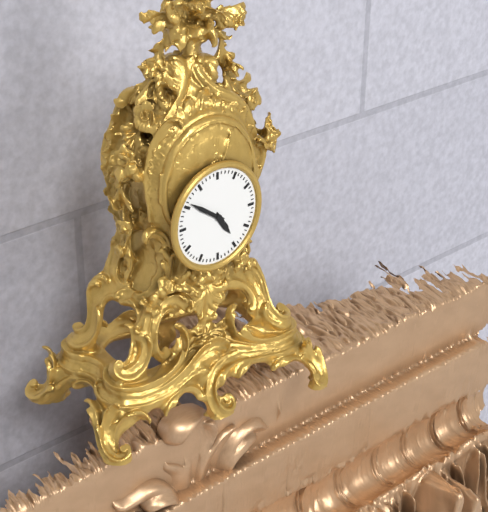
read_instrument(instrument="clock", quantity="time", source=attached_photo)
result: 4:51
